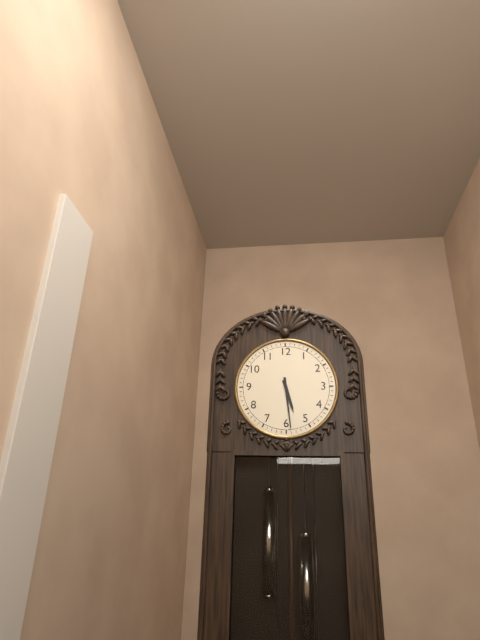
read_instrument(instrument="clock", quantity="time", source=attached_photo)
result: 5:29
